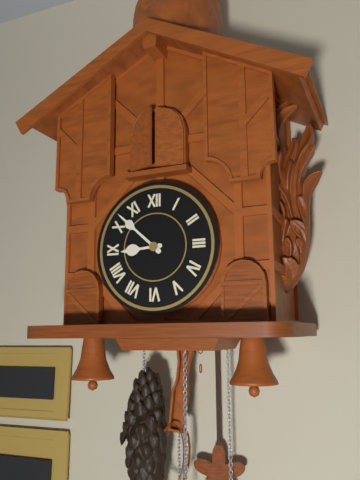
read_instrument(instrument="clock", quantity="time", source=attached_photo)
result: 8:52
